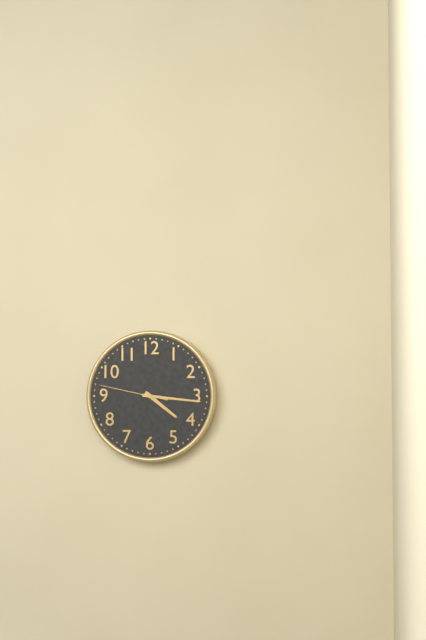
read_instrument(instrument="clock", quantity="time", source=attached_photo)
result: 4:16:47
